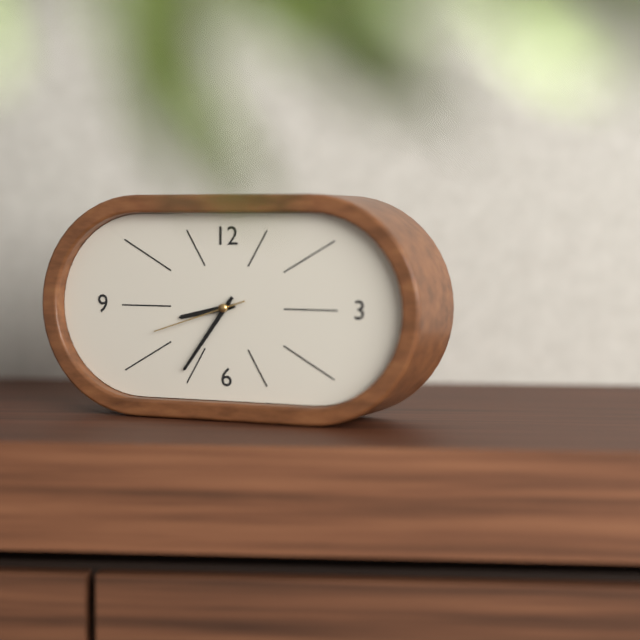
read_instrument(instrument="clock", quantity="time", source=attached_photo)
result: 8:36:42
